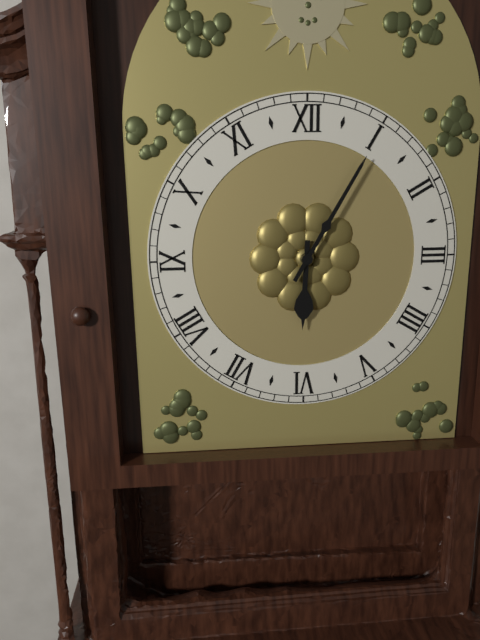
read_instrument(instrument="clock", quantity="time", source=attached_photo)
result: 6:05
